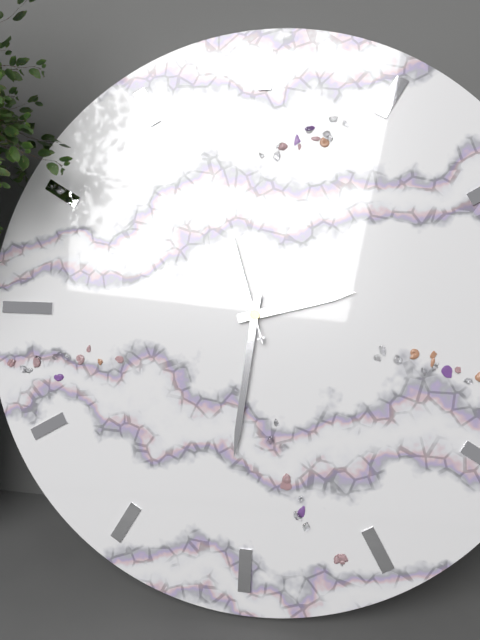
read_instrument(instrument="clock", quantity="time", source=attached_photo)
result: 2:31:57
